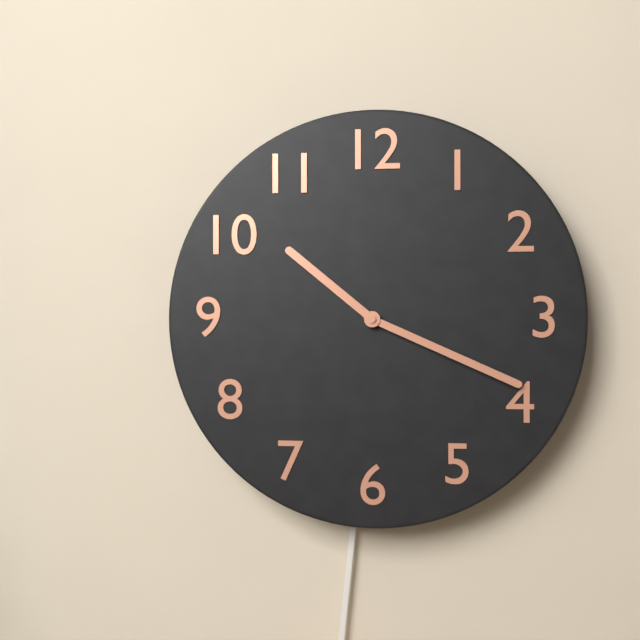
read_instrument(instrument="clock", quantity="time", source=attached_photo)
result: 10:19
